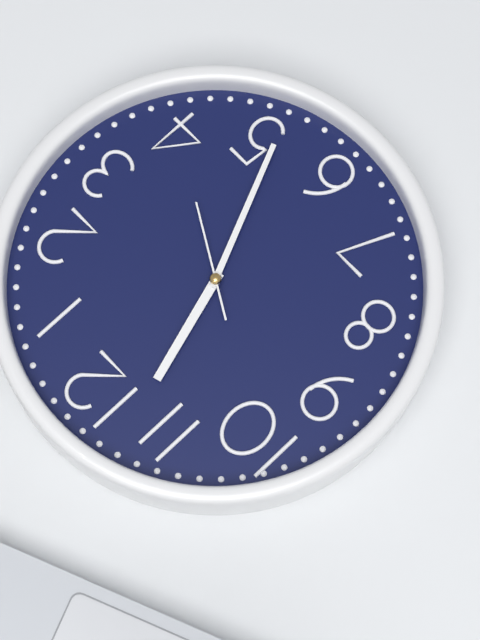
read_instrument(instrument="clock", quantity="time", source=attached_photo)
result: 11:26:20
